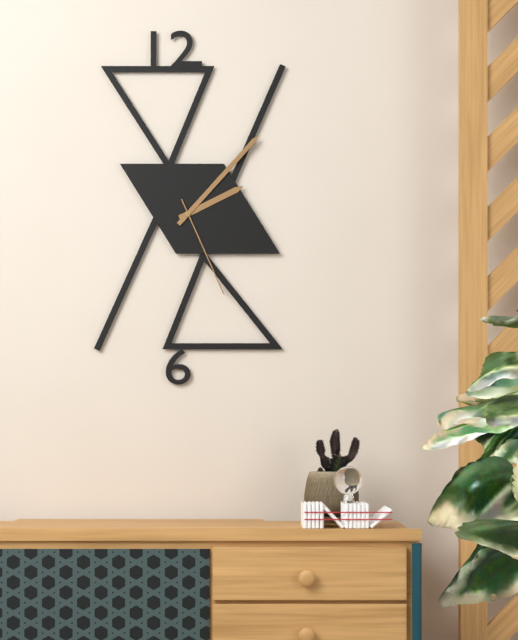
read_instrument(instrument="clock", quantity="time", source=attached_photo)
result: 2:07:26
